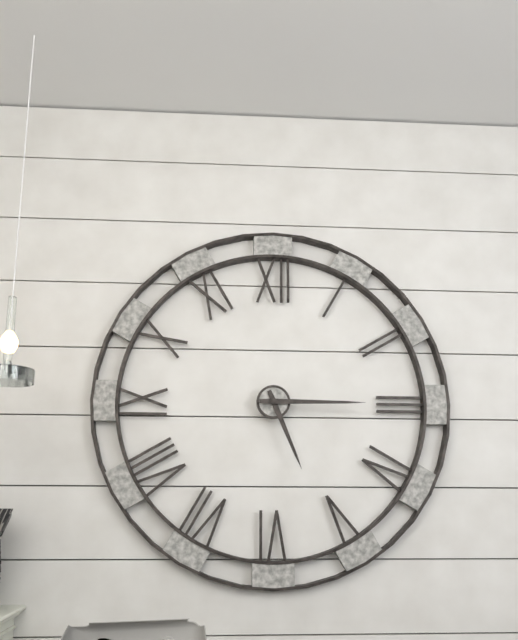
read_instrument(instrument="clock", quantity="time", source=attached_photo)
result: 5:15
